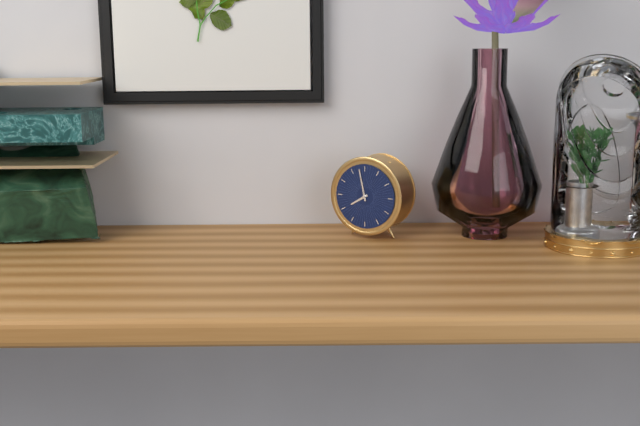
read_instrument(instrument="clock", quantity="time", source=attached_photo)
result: 7:58
